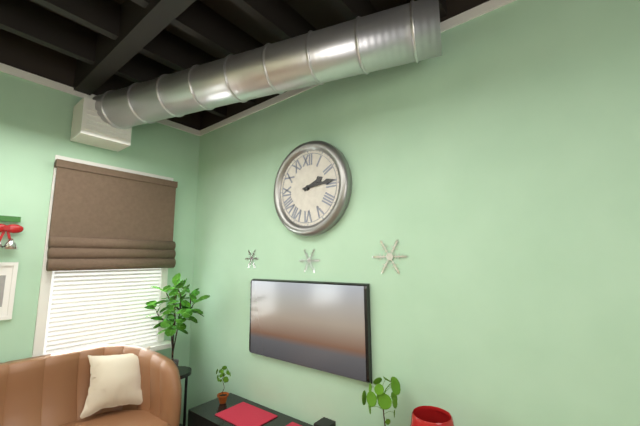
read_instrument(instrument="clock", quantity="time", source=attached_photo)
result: 2:14
